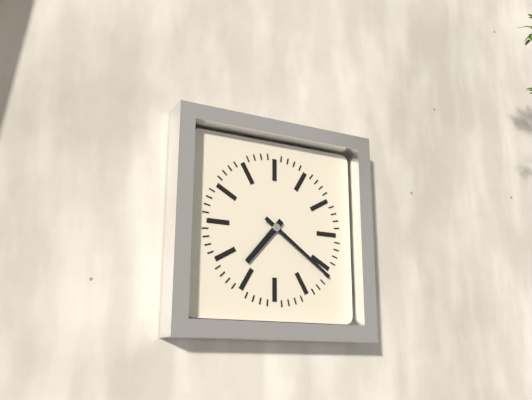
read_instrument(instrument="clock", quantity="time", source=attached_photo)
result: 7:21
